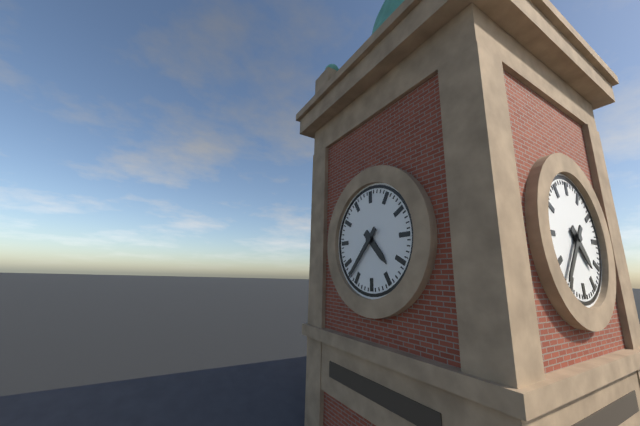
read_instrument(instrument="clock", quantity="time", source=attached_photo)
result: 4:37
